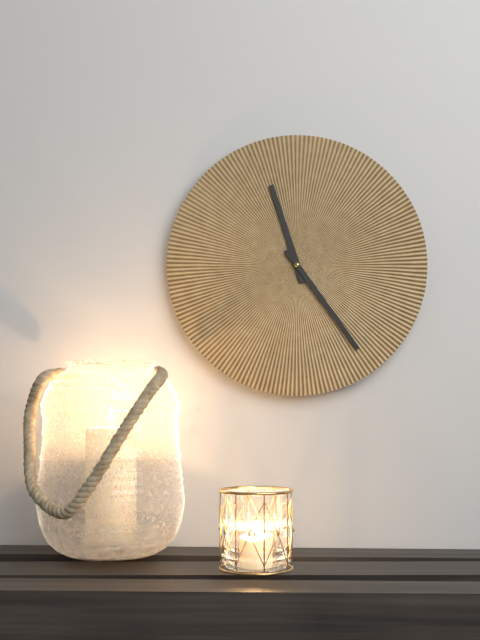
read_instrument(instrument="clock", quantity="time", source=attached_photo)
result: 11:24
